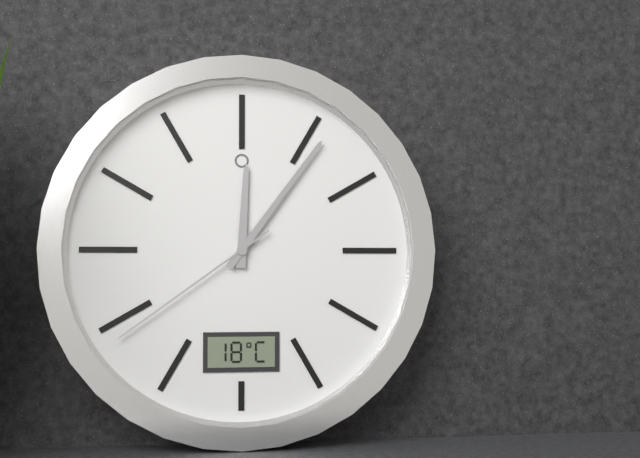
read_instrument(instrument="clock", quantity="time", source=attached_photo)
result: 12:06:39
